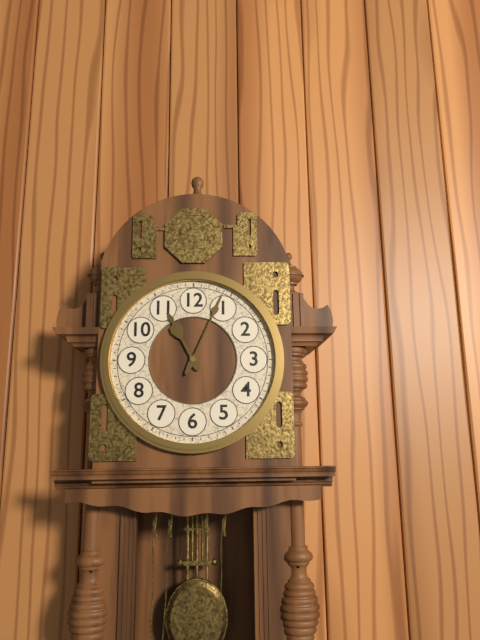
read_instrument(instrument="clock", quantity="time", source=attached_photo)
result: 11:04
